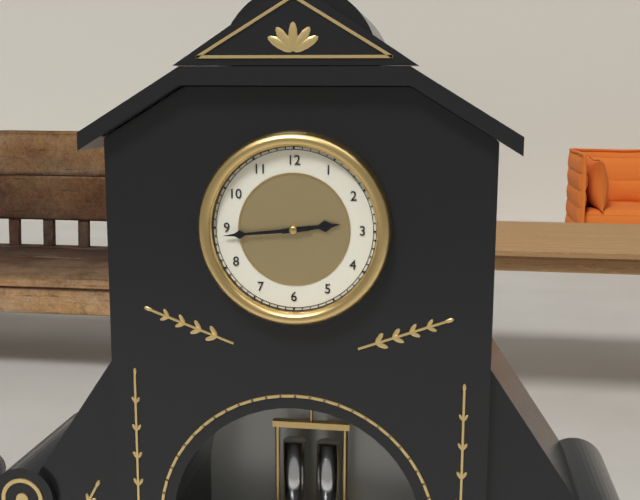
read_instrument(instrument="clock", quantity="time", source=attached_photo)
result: 2:44
